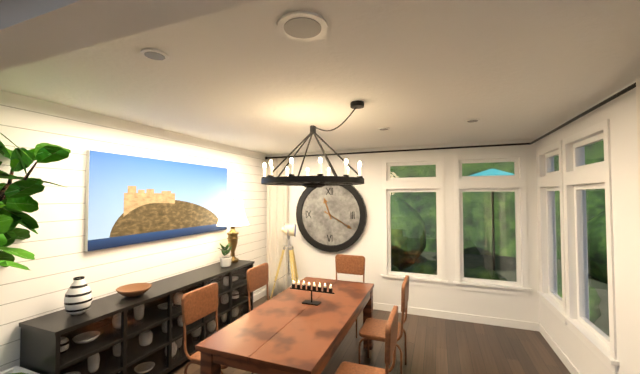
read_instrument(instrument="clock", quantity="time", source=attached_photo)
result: 11:20
